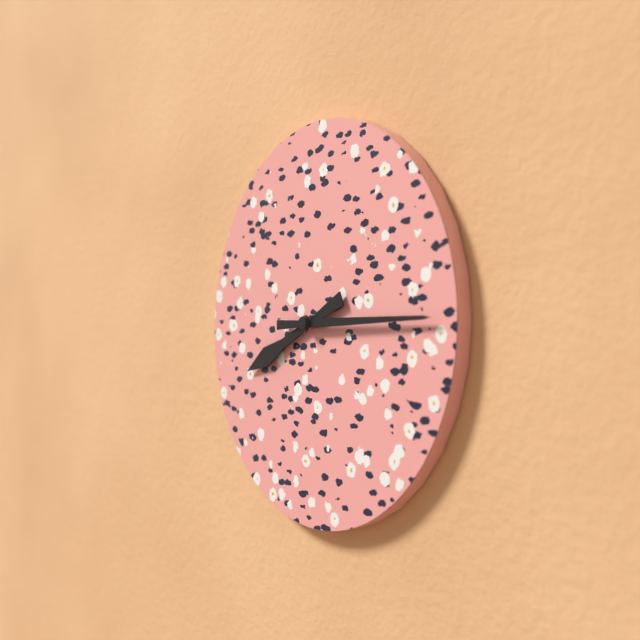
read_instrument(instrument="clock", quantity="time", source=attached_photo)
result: 8:15
